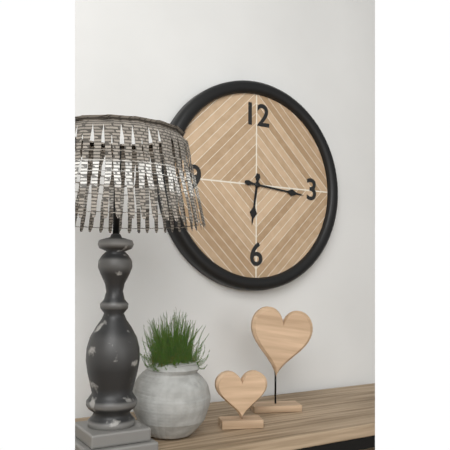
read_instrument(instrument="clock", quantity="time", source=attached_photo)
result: 6:16
